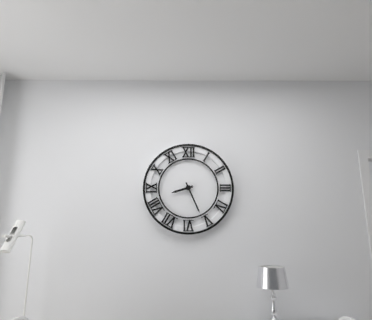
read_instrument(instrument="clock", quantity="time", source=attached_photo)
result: 8:26
